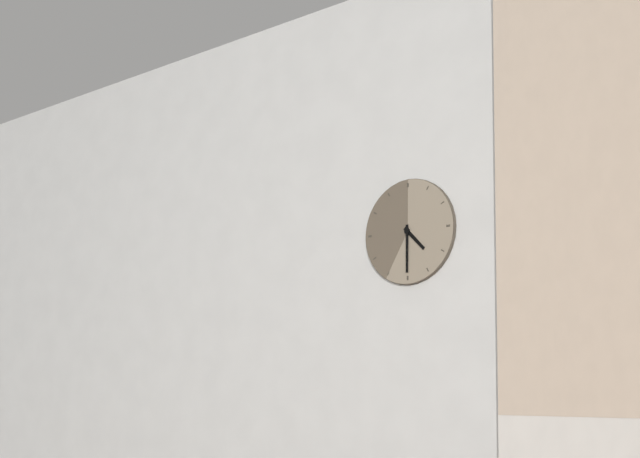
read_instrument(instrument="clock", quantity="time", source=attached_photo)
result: 4:30
